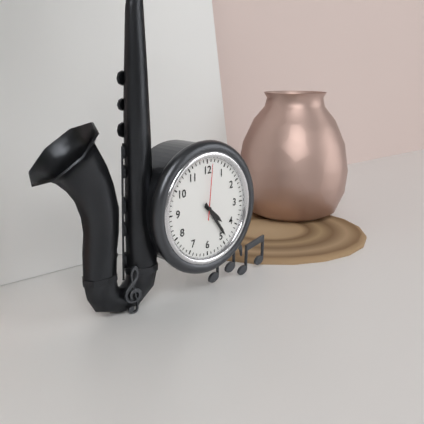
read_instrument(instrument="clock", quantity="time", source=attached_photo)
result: 4:24:01
